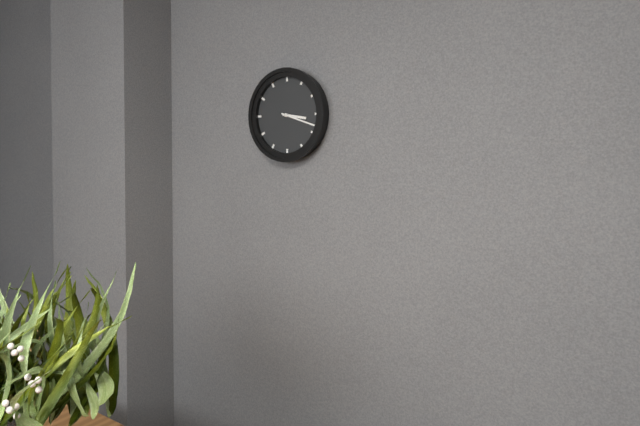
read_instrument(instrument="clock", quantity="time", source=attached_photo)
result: 3:18
